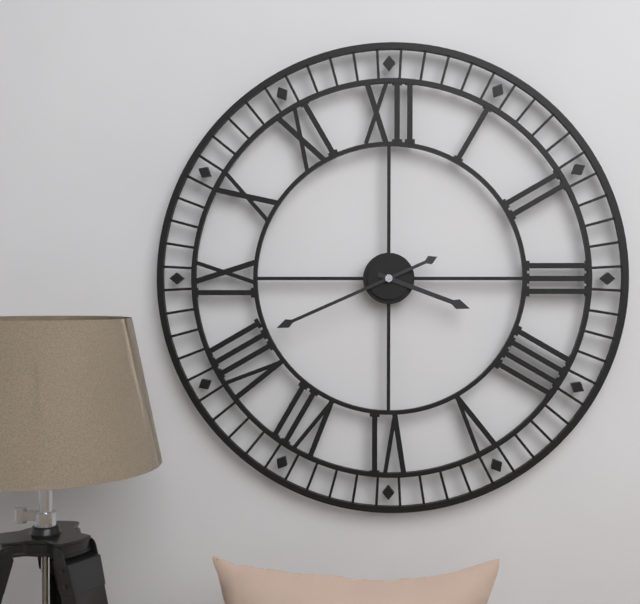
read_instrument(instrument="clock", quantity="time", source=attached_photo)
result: 3:41
